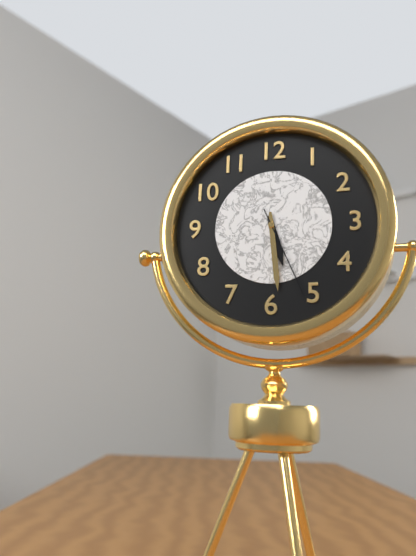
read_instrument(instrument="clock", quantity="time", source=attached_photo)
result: 5:29:26
